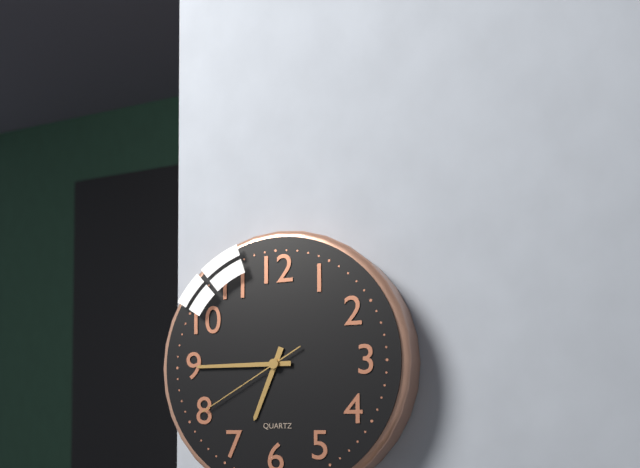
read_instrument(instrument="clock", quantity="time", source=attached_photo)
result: 6:45:40
